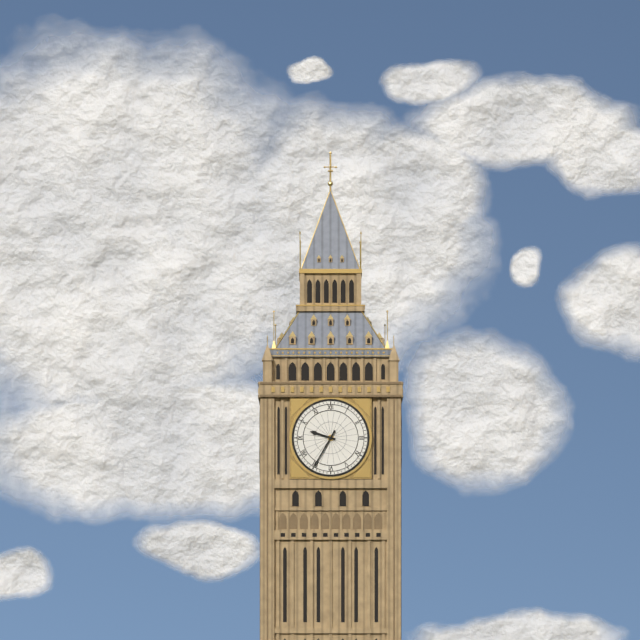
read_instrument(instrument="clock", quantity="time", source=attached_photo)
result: 9:35
